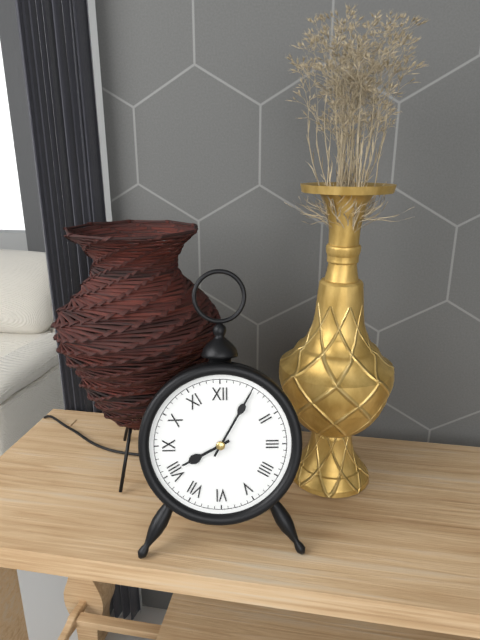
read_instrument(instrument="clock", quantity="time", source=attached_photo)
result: 8:05
